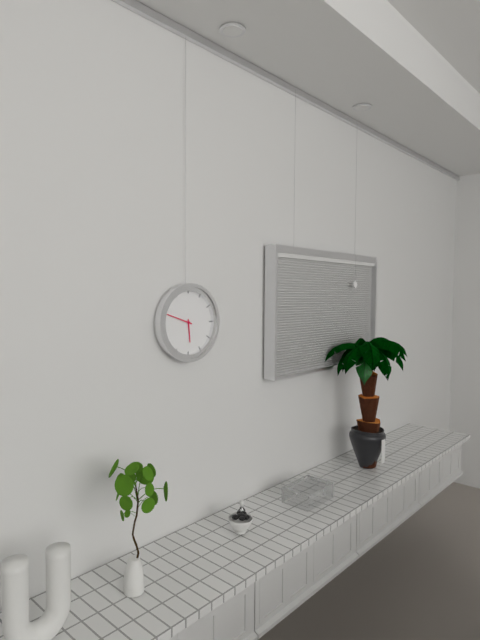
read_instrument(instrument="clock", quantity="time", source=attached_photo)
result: 5:48
